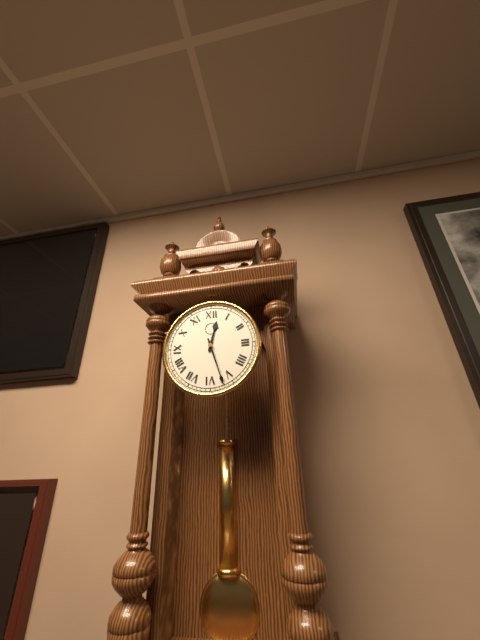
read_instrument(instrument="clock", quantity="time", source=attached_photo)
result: 12:27
